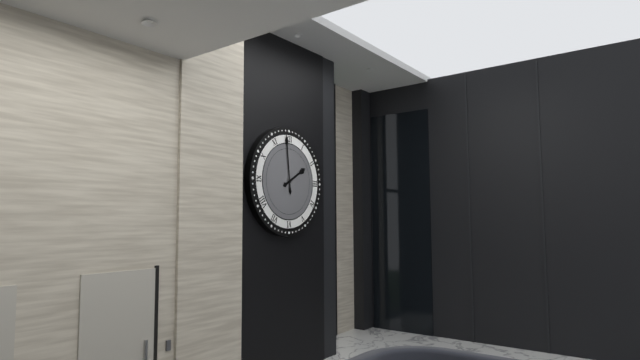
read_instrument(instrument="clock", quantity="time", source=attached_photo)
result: 1:59
